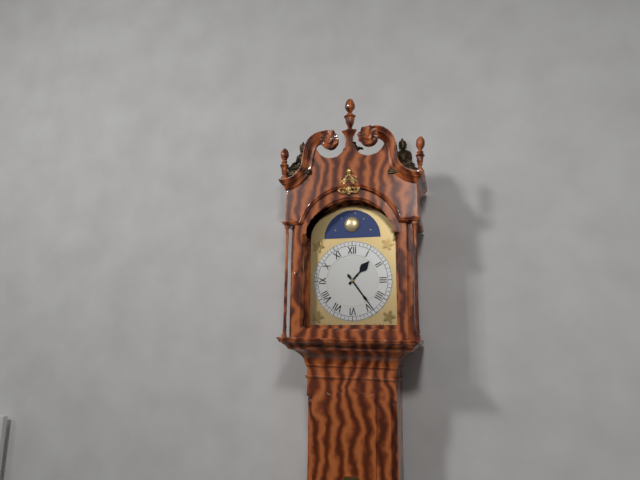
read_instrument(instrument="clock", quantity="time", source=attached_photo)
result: 1:24
